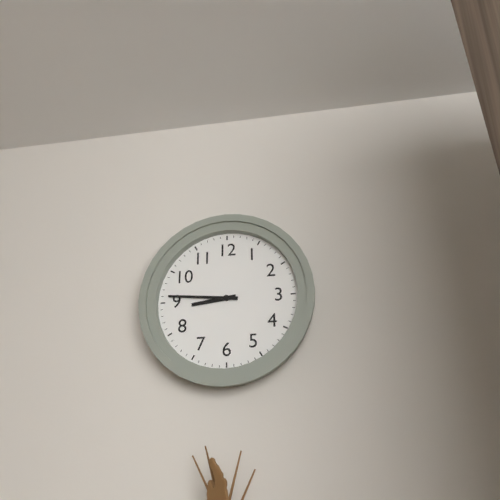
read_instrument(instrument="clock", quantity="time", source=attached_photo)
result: 8:46
